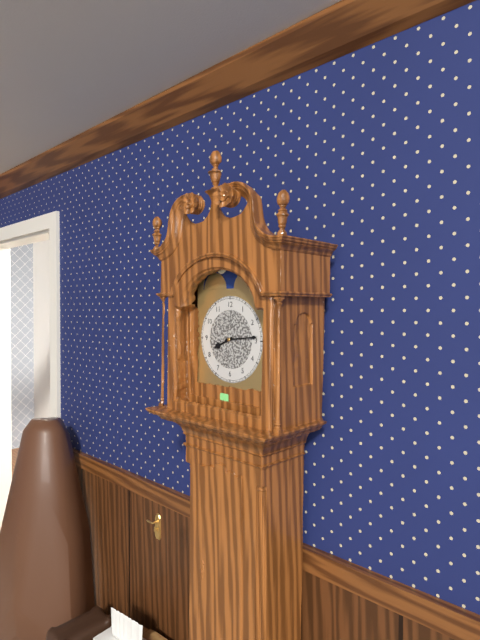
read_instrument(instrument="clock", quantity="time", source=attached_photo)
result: 8:14
